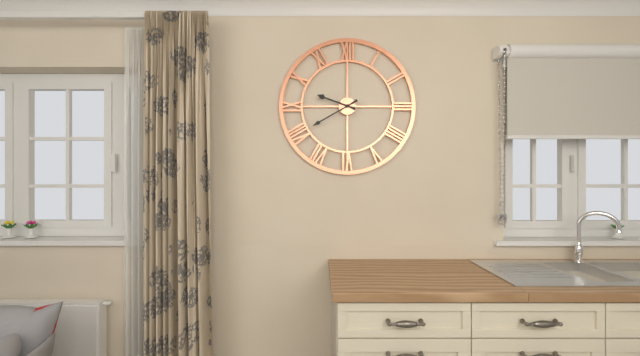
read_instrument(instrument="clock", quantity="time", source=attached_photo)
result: 9:40
